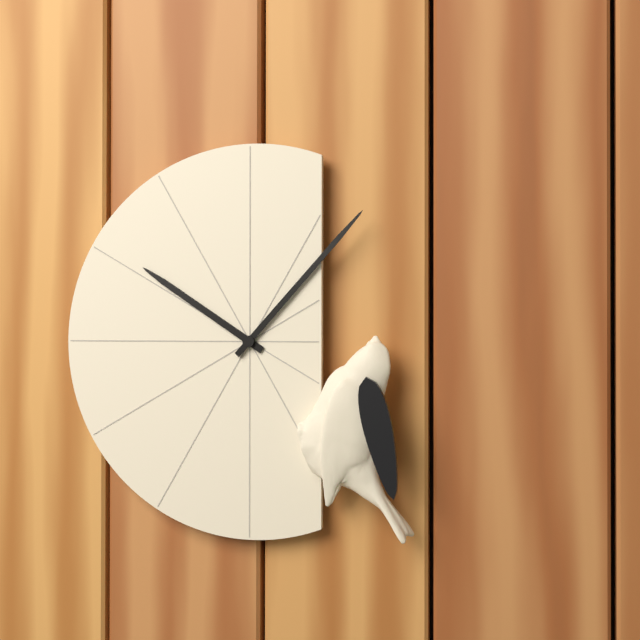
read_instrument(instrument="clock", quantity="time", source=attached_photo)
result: 10:07
